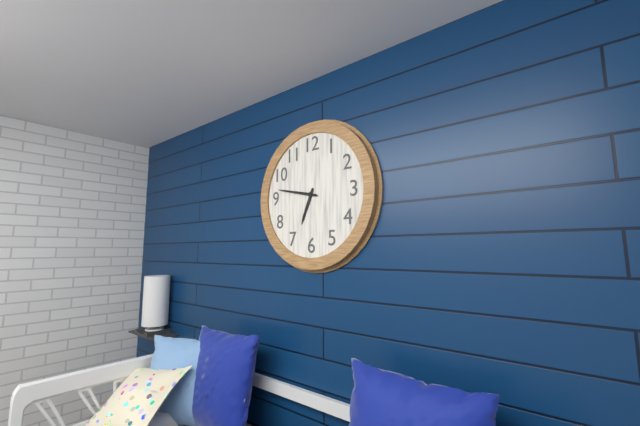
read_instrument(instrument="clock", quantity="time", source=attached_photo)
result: 6:47
